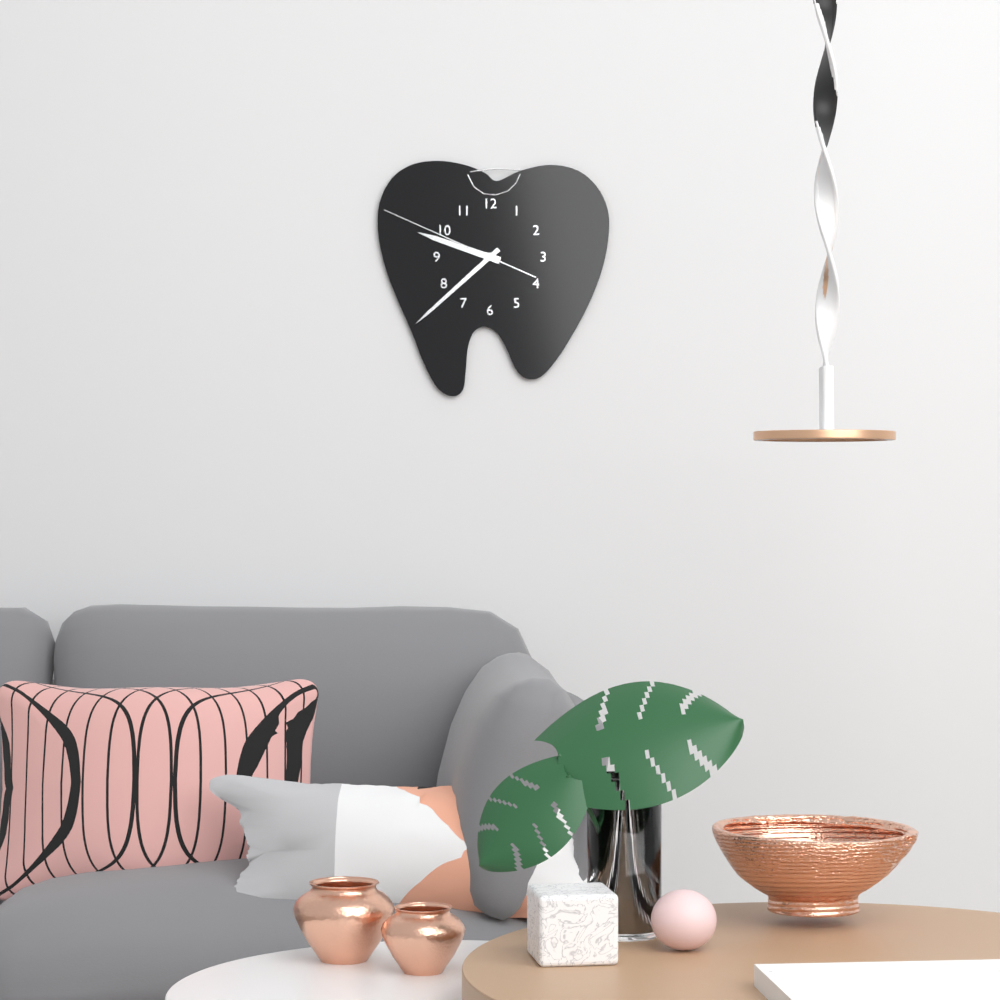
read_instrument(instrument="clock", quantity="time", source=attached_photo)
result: 9:38:49
